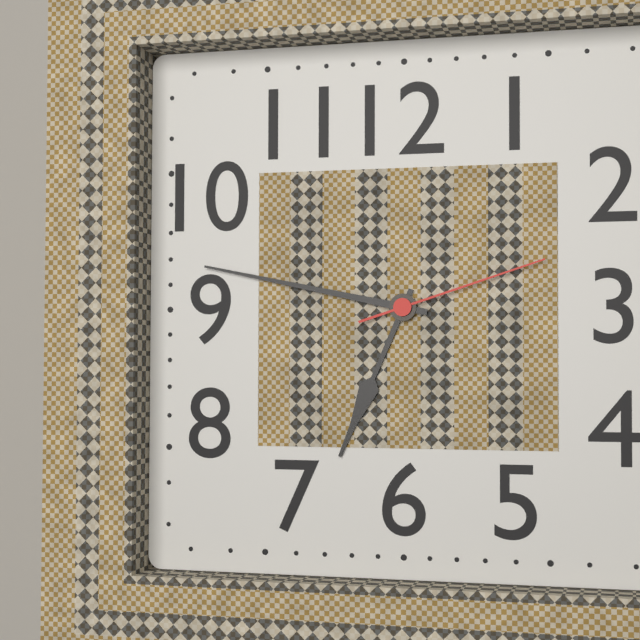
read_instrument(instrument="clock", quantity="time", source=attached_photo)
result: 6:47:12
